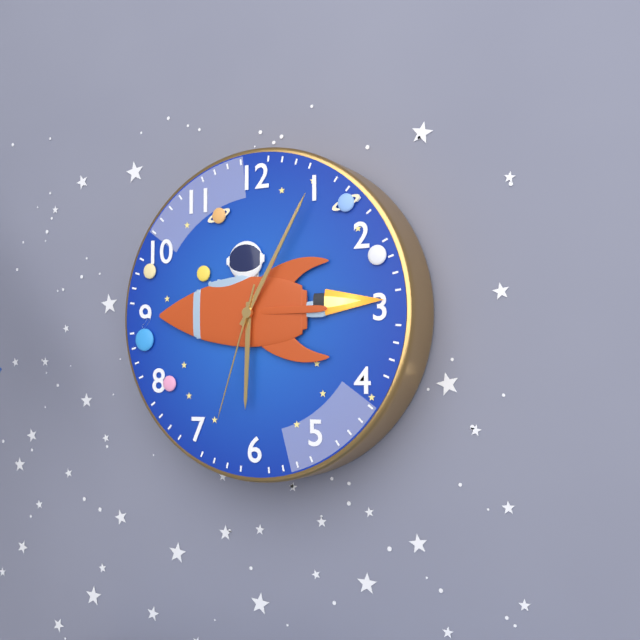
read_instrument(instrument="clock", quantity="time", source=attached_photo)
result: 6:05:33
